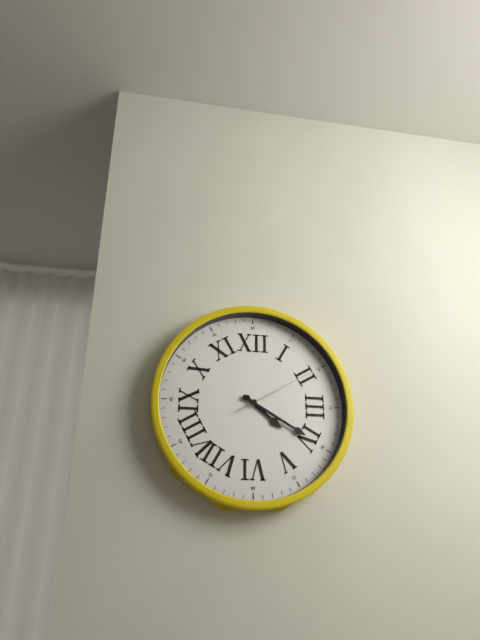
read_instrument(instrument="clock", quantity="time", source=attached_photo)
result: 4:20:10
